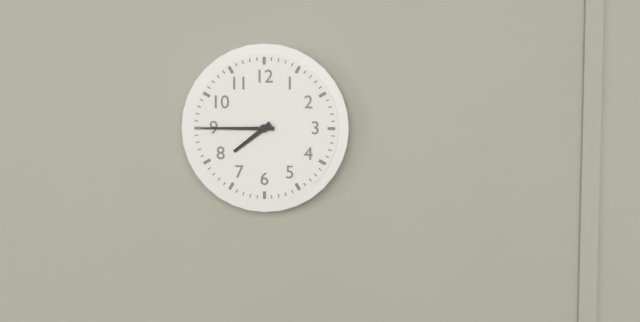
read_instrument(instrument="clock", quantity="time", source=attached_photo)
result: 7:45
